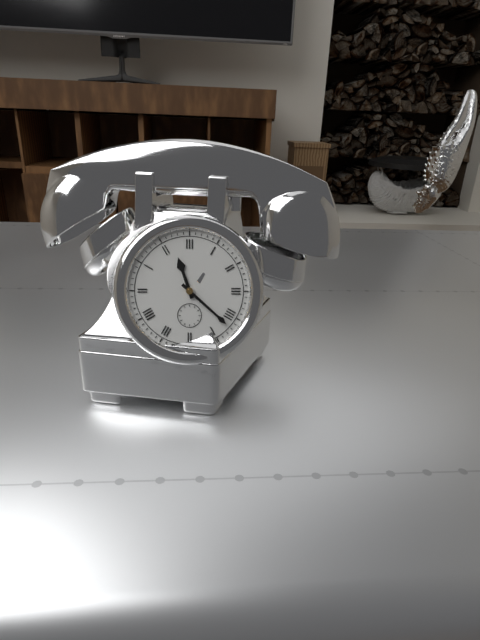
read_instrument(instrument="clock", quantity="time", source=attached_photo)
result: 11:22
